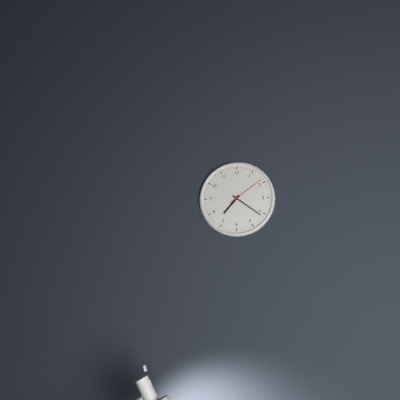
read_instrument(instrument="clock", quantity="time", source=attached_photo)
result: 7:21
